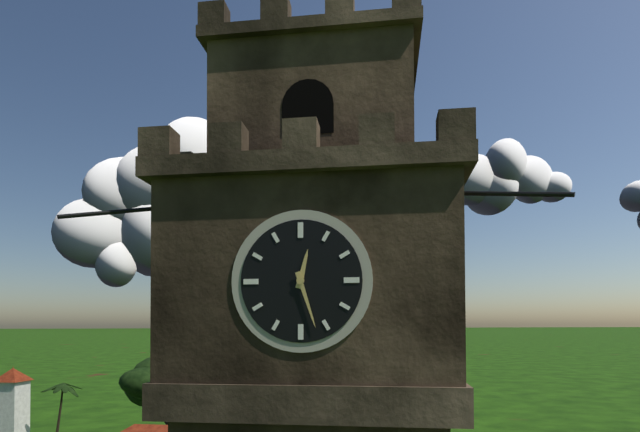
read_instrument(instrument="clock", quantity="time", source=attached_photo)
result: 12:27
